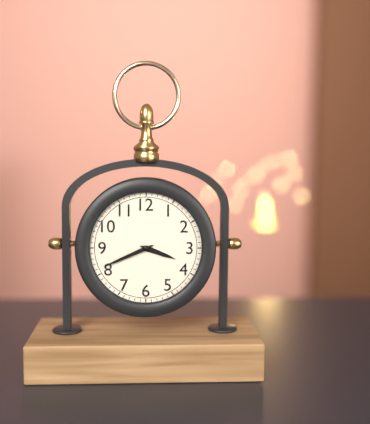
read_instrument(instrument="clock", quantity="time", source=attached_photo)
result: 3:41
